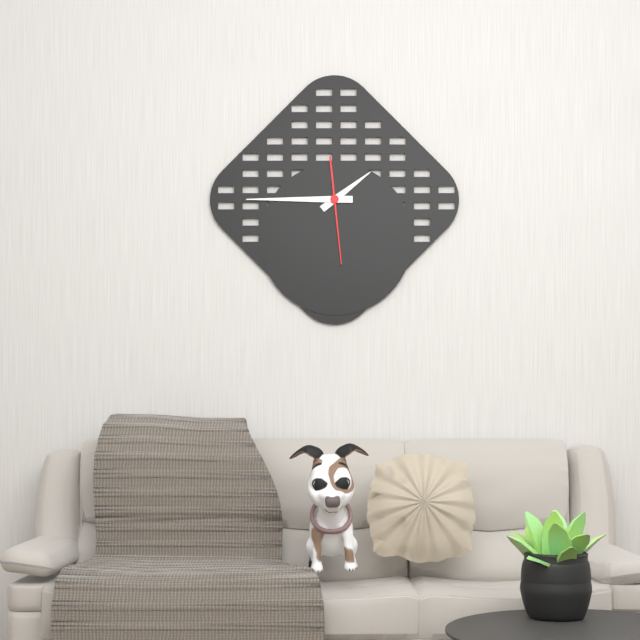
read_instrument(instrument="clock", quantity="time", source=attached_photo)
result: 1:45:29
